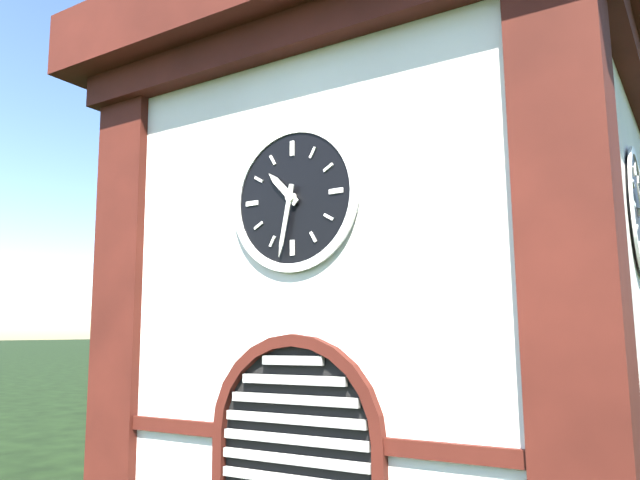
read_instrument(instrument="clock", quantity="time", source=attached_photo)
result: 10:32
